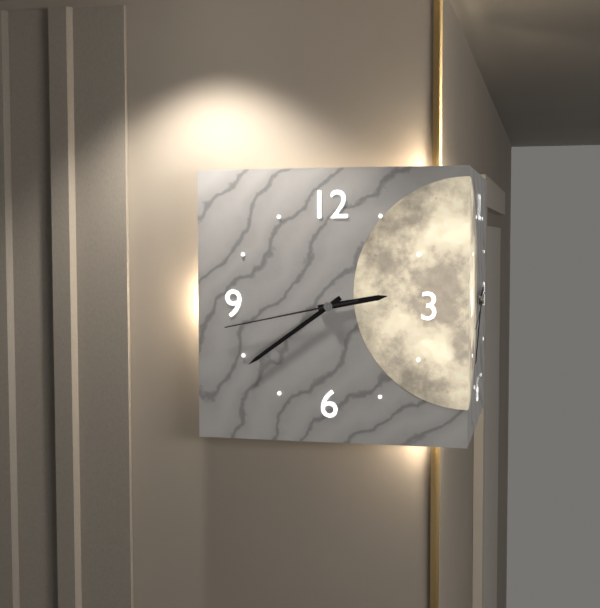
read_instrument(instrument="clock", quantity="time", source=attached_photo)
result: 2:39:43
